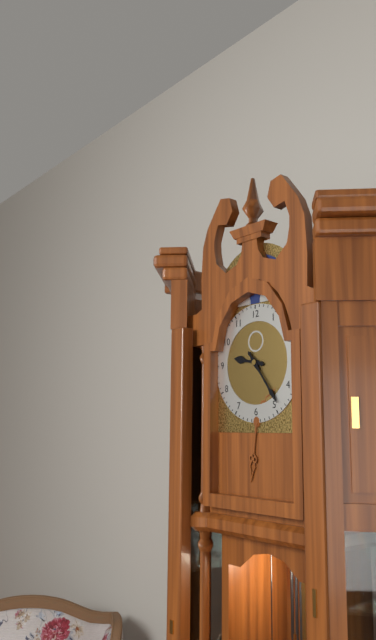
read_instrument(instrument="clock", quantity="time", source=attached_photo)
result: 9:24
